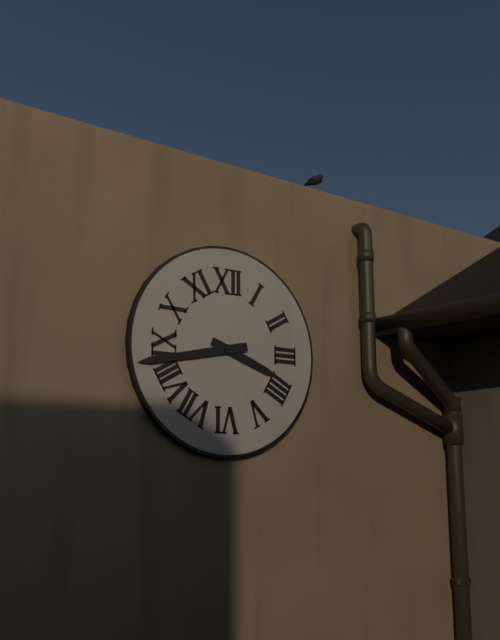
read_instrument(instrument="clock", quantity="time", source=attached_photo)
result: 3:43
